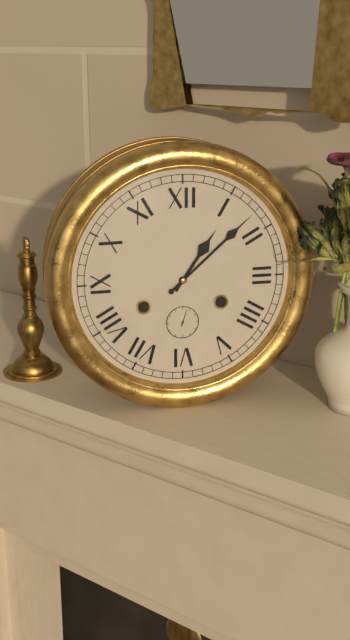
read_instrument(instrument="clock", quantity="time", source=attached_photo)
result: 1:08
